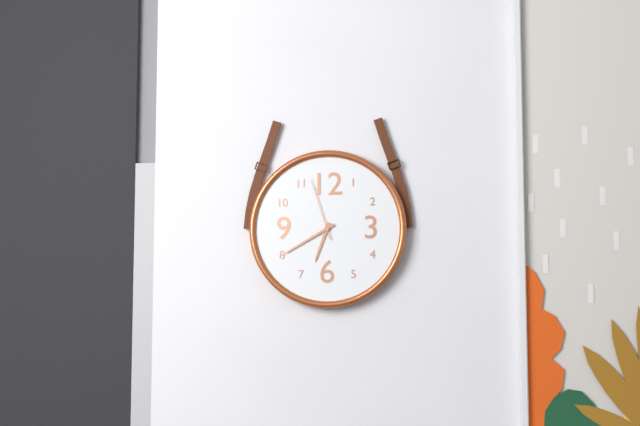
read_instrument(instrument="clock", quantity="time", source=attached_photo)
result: 6:40:57
